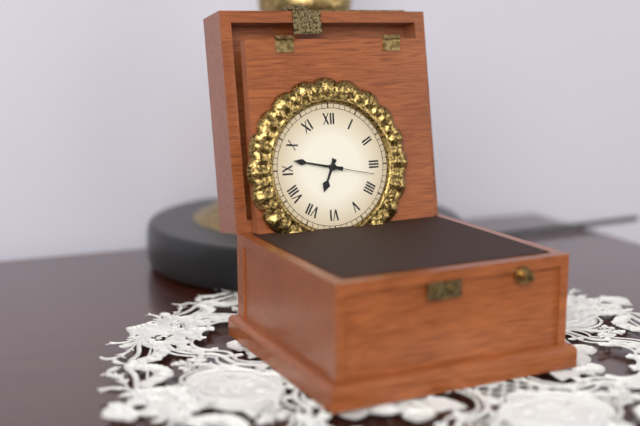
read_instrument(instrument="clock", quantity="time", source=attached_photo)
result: 6:47:17
